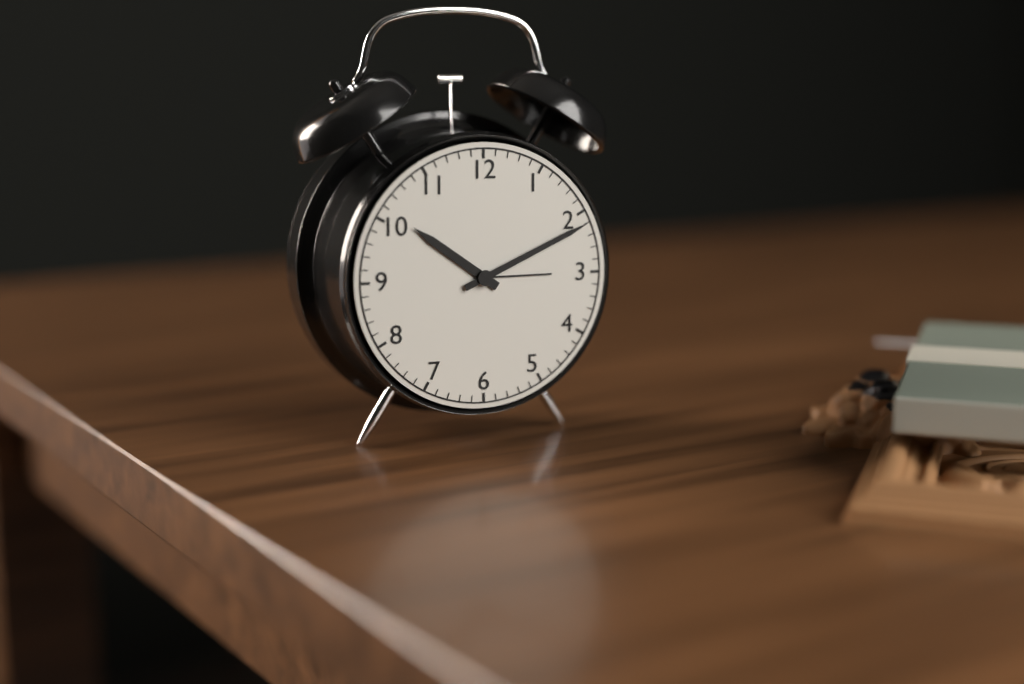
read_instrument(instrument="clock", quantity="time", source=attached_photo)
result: 10:11
